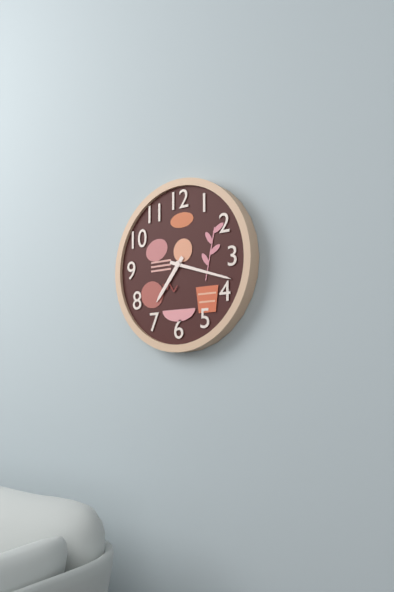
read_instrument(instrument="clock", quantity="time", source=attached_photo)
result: 7:18
